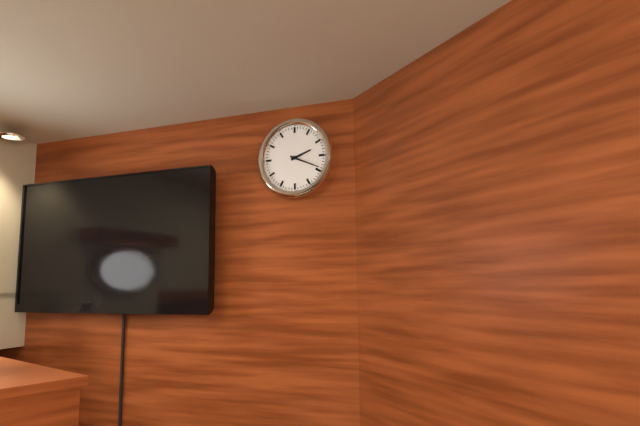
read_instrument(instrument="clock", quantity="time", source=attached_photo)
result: 2:19
